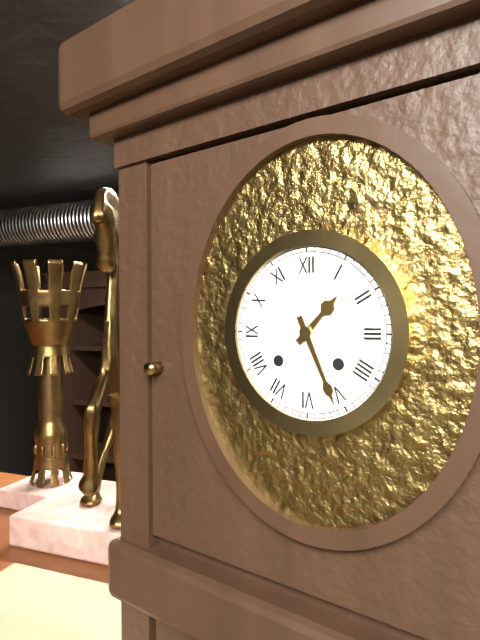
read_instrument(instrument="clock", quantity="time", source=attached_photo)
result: 1:26
